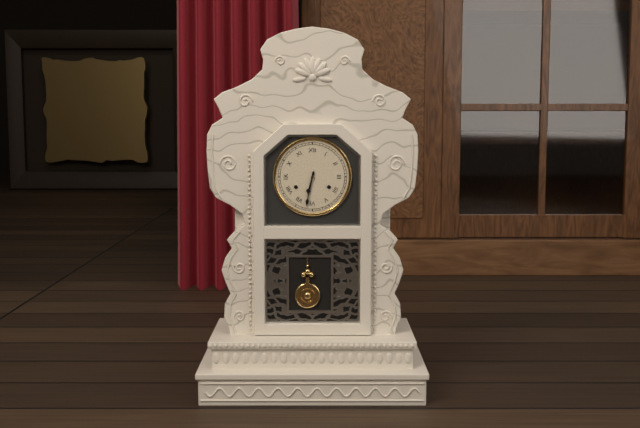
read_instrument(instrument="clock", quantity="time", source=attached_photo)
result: 6:32
